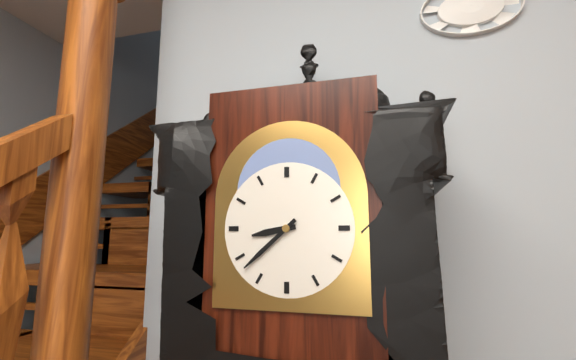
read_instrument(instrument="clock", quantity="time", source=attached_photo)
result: 8:38
